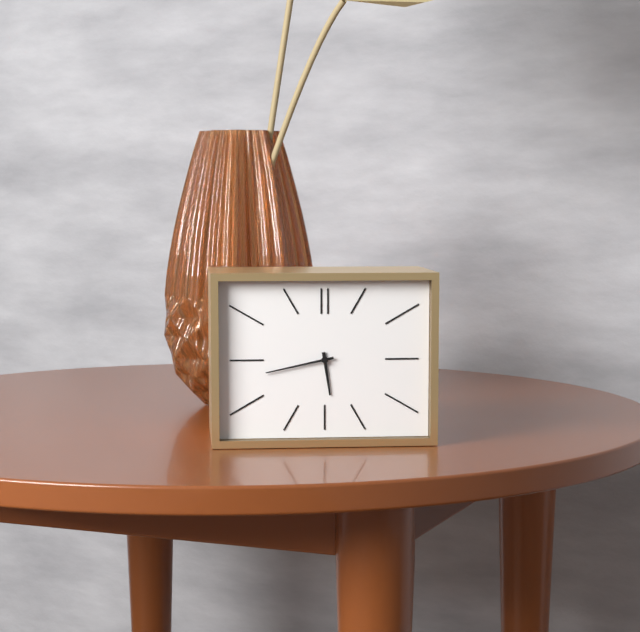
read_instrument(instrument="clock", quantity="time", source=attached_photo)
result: 5:43
